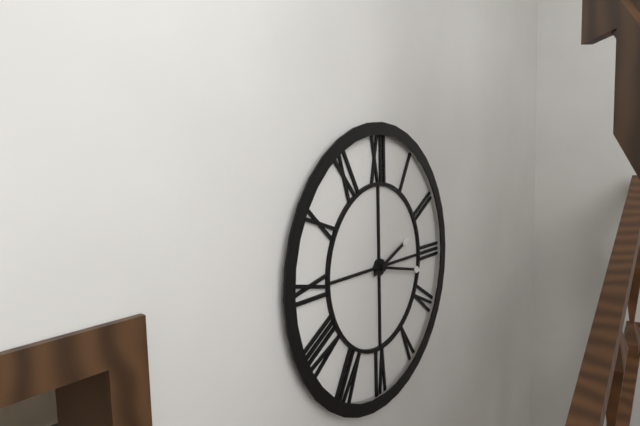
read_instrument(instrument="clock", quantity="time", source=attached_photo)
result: 2:17
